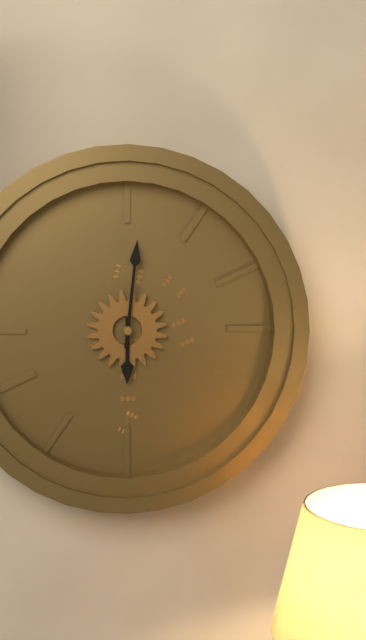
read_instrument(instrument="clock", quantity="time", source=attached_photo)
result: 6:01
